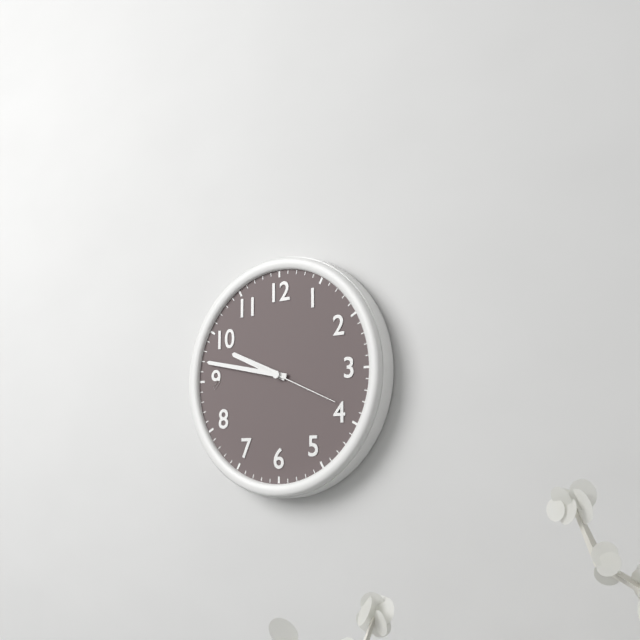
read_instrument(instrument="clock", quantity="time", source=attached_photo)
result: 9:47:19
